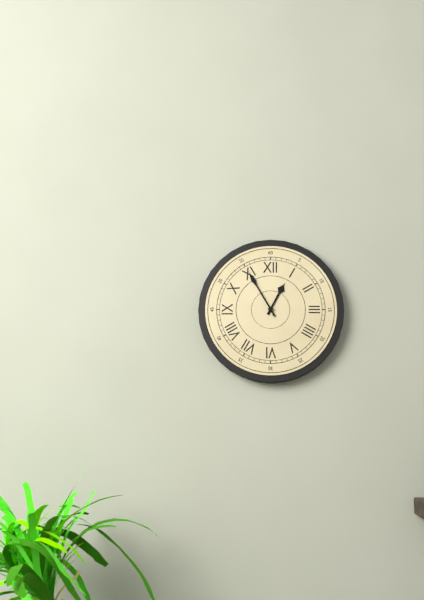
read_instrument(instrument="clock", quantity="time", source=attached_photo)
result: 12:55
